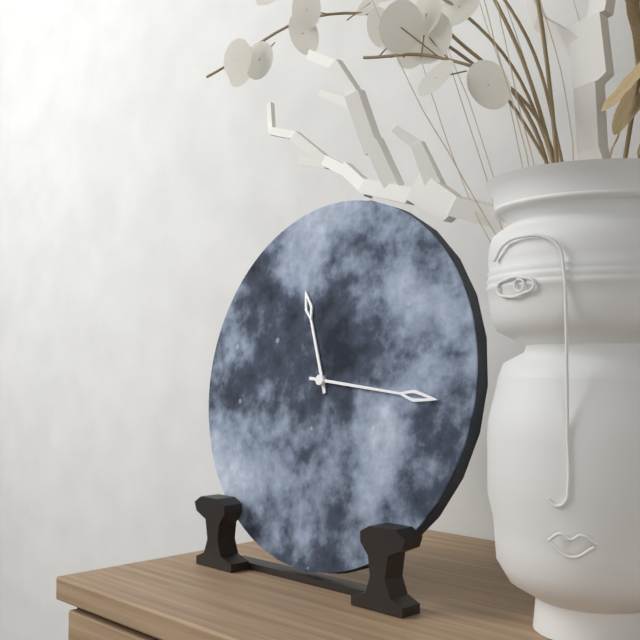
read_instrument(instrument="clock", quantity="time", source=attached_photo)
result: 11:16
